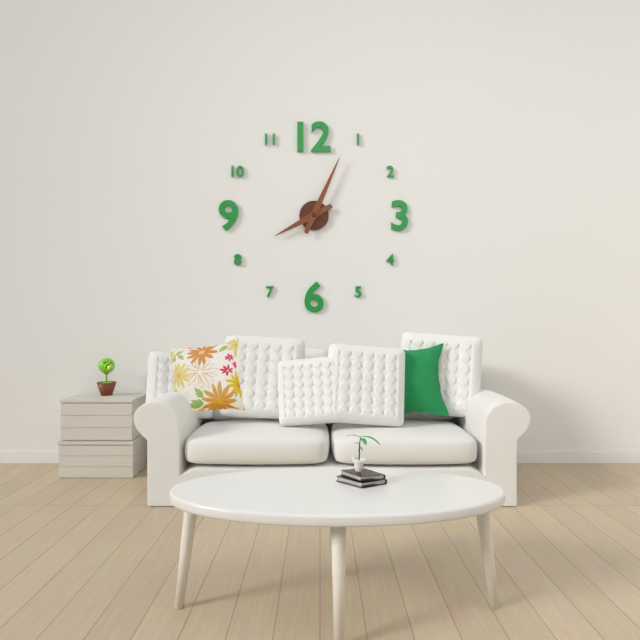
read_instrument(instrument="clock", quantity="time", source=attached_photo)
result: 8:04
